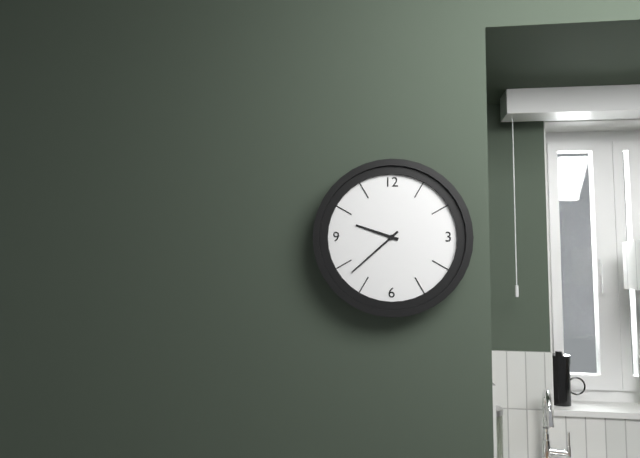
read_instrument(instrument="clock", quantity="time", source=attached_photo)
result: 9:38
